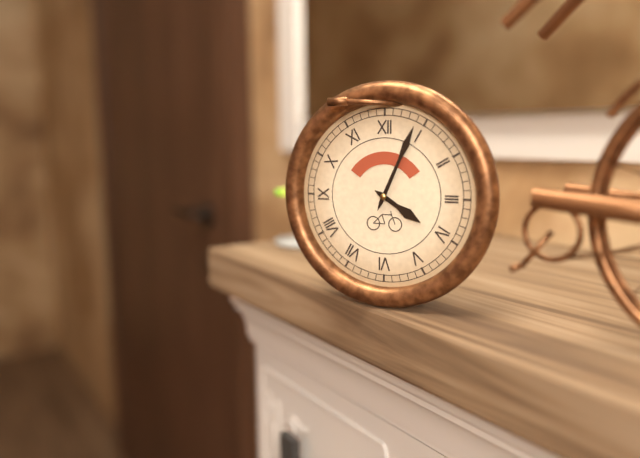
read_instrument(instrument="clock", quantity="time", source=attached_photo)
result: 4:04
